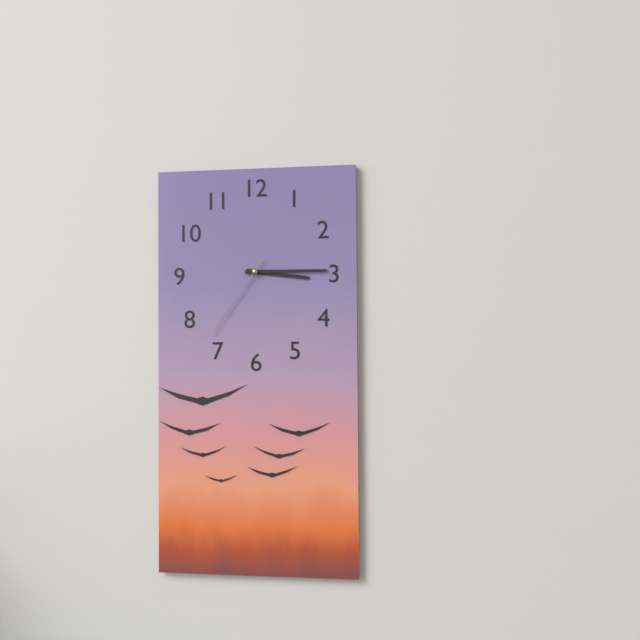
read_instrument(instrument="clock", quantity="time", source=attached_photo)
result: 3:15:36
